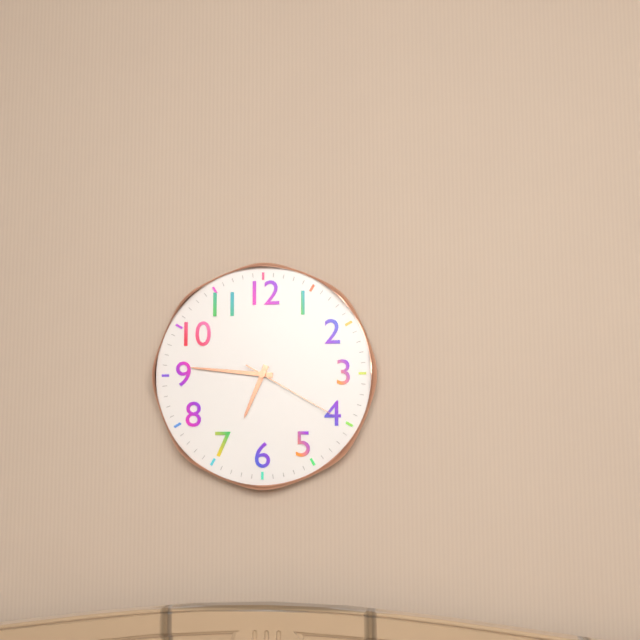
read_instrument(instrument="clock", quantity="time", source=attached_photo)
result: 6:46:20
